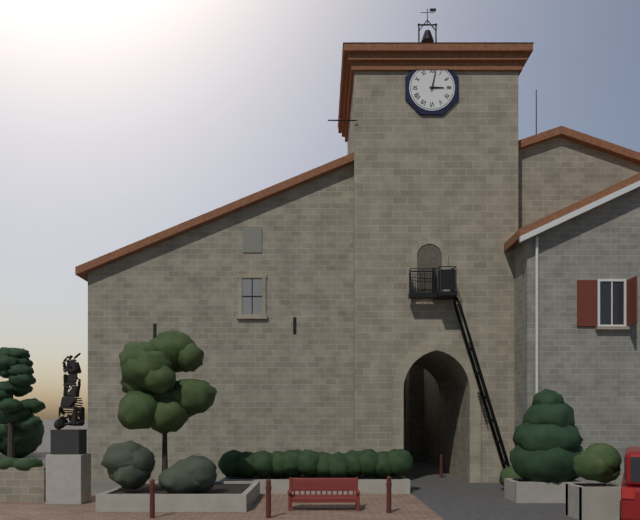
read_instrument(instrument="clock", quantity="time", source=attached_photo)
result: 3:02
